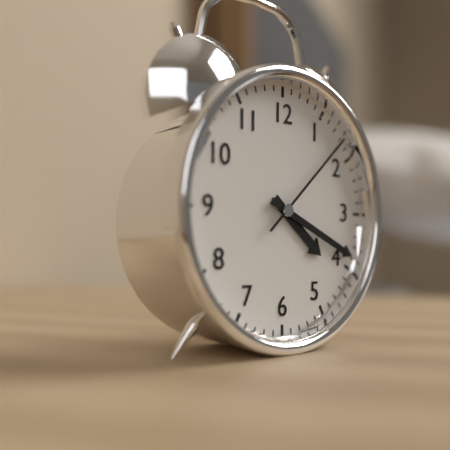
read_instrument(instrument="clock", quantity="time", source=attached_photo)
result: 4:19:08
